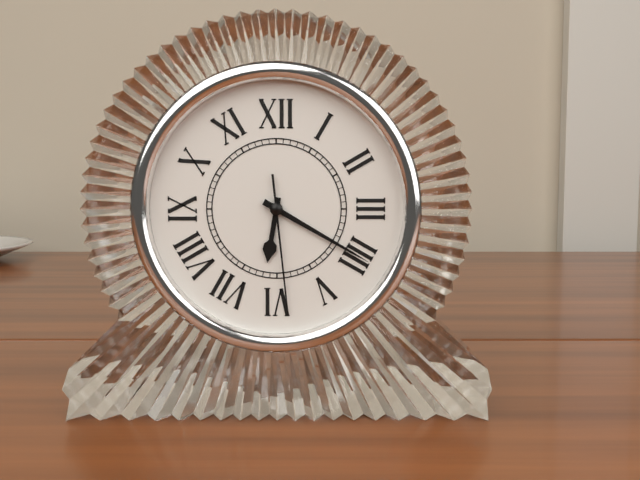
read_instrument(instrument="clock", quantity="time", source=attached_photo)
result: 6:20:29
